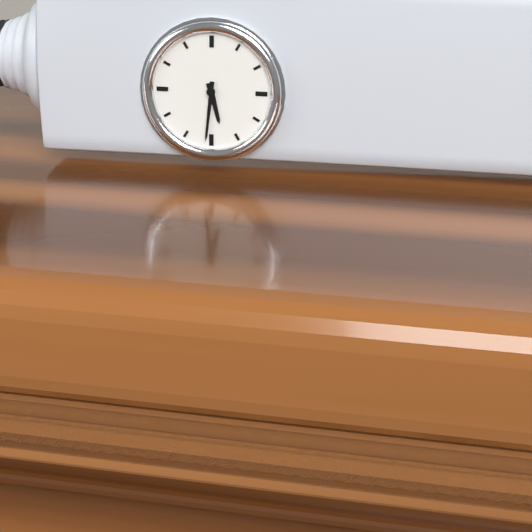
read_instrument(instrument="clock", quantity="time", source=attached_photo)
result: 5:31
